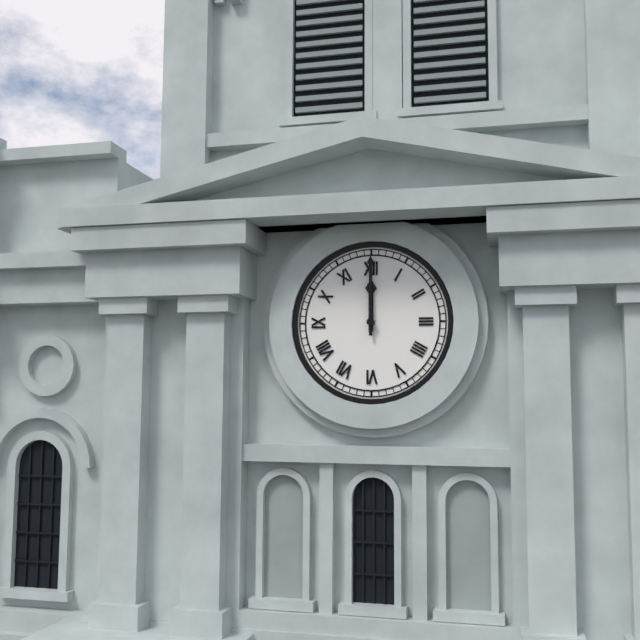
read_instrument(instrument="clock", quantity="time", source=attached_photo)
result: 12:00
